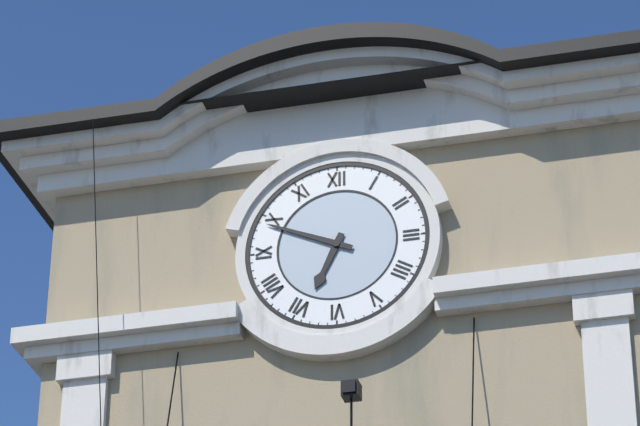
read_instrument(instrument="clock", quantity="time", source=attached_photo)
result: 6:49
